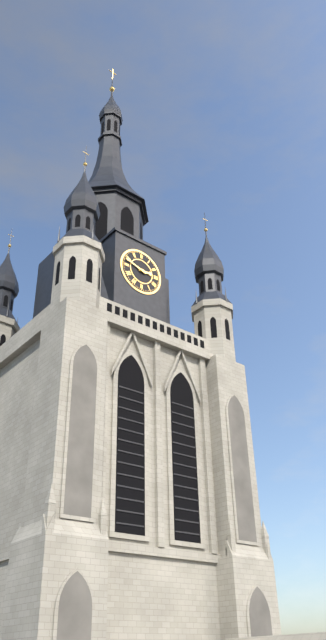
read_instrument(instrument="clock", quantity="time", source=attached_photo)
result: 2:48
